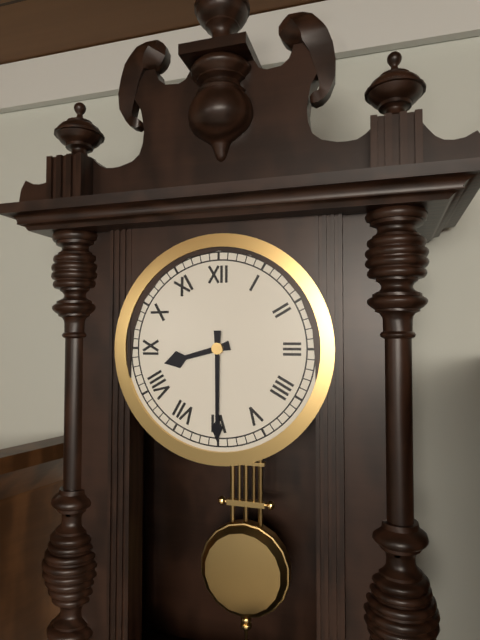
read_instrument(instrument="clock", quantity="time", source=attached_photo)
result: 8:30
